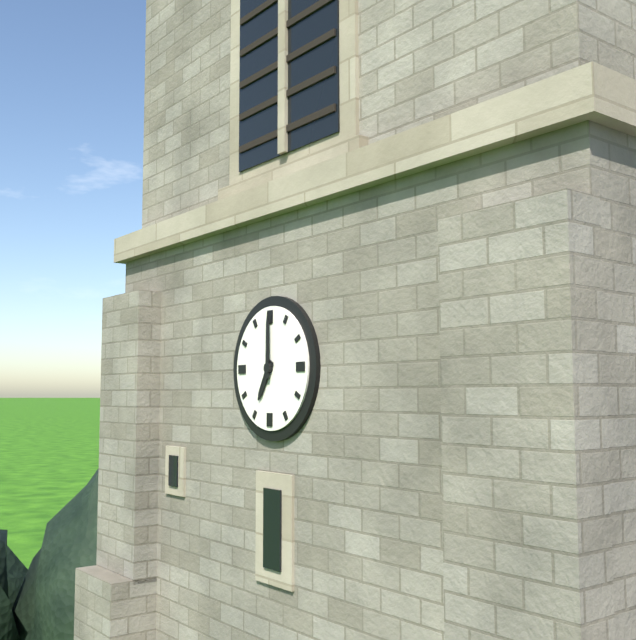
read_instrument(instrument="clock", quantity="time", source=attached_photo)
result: 7:00
